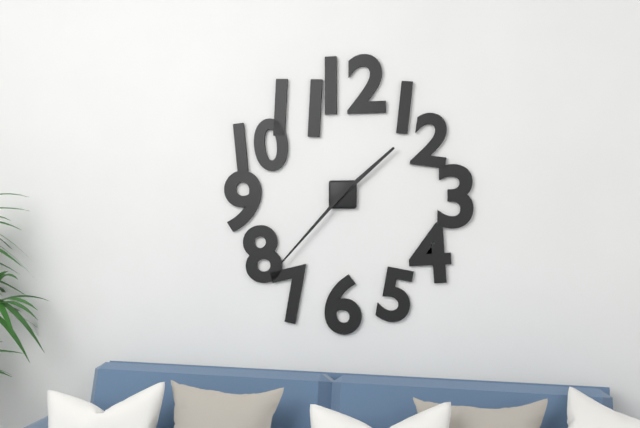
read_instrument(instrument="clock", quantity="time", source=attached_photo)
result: 1:37
